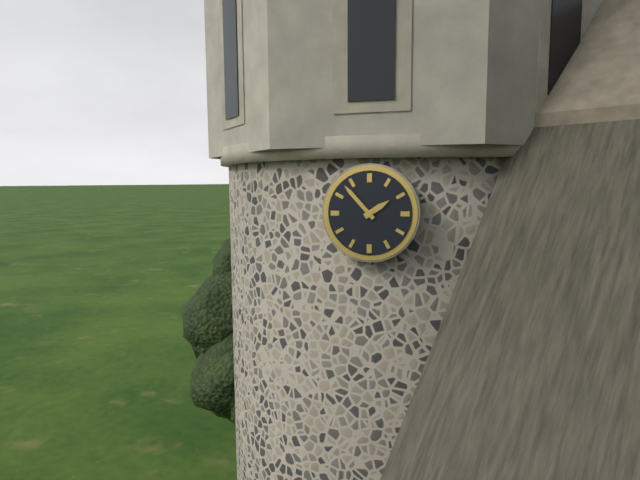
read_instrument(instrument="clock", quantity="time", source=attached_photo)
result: 1:53
